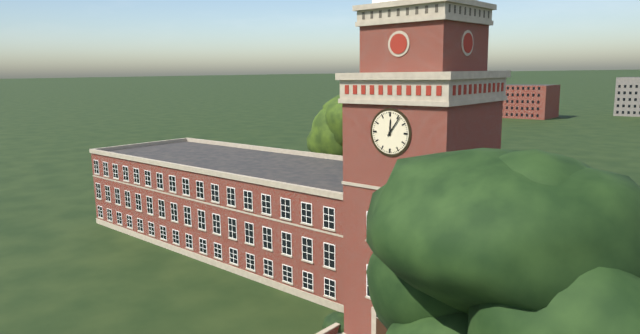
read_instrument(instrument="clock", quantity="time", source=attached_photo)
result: 12:06
